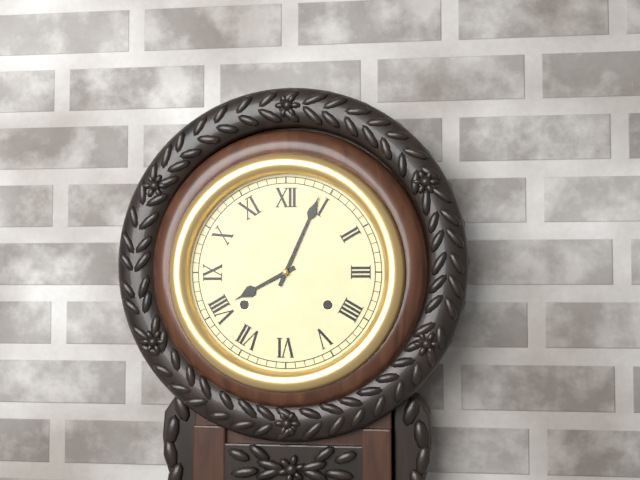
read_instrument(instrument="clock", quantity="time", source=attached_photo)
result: 8:04
